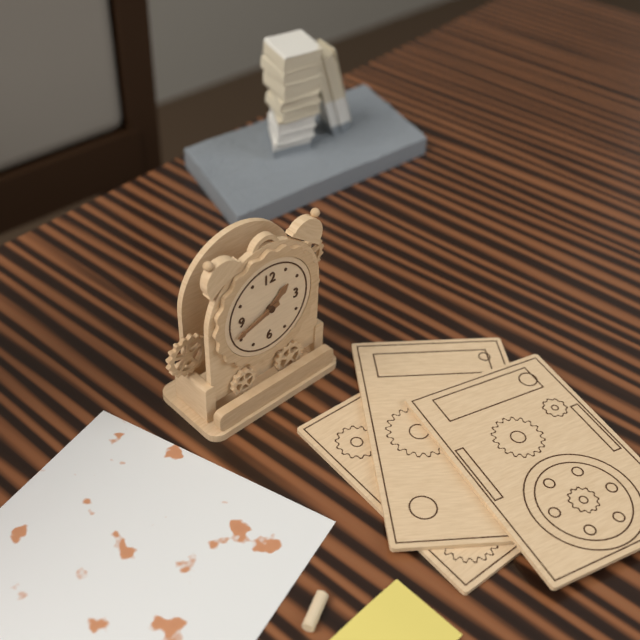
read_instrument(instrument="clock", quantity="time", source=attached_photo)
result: 1:42
